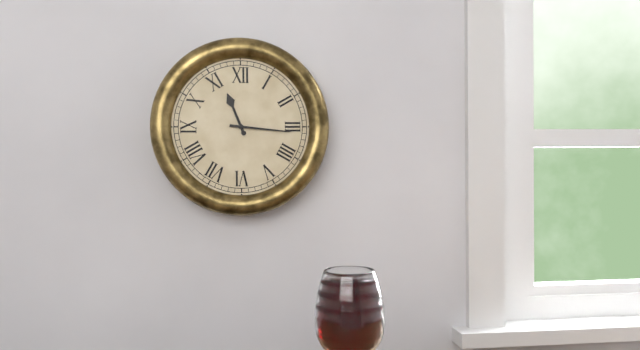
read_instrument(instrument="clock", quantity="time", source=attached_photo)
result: 11:16
